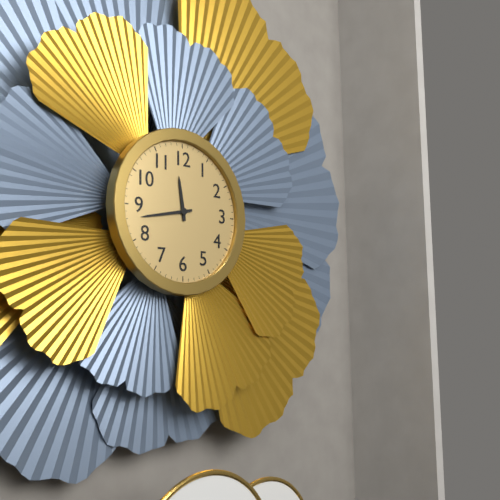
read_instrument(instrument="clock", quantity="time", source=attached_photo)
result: 11:43
